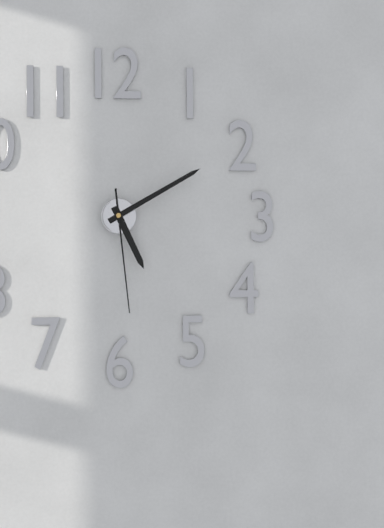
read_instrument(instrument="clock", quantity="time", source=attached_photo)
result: 5:10:29
